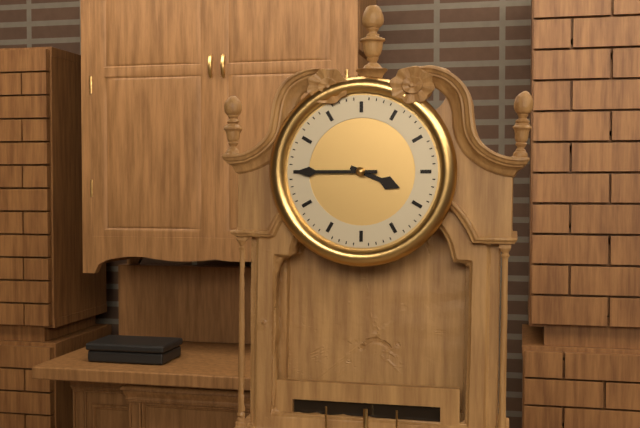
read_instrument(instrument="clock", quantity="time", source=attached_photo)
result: 3:45
